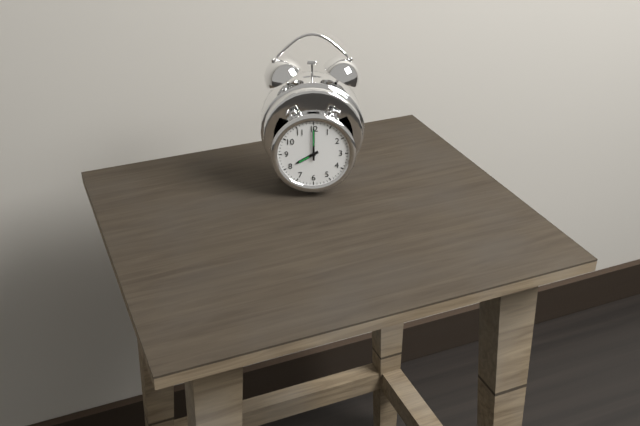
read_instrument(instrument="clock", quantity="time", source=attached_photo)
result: 8:00
